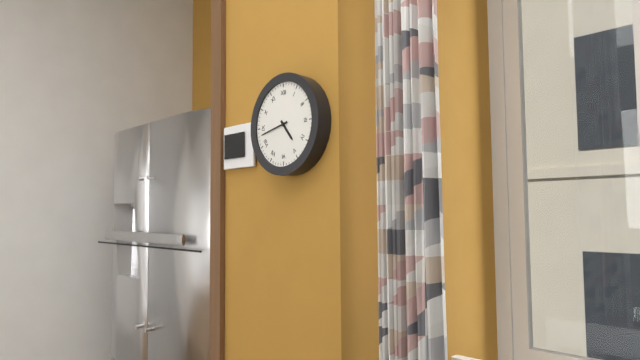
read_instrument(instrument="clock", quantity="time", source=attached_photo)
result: 4:43
